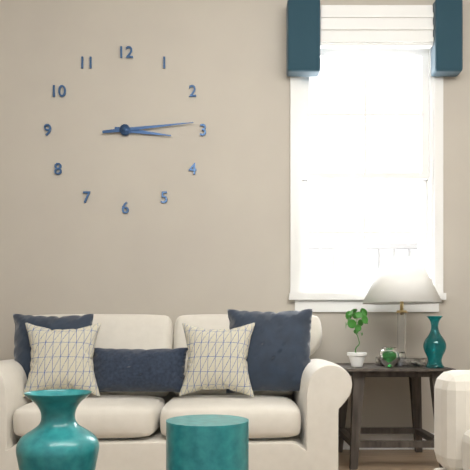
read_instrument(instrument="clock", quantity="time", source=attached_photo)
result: 3:14
